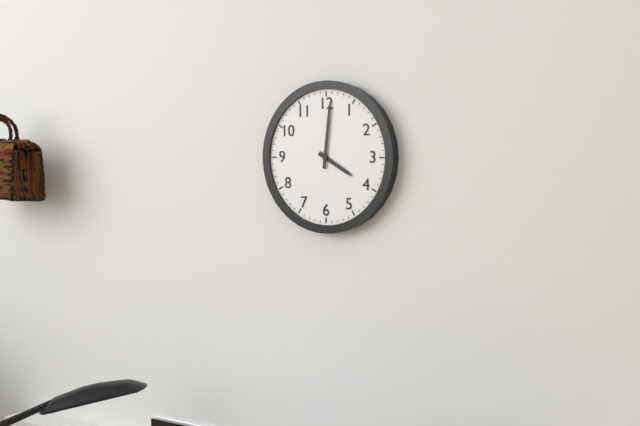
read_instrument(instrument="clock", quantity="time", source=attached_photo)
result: 4:01
